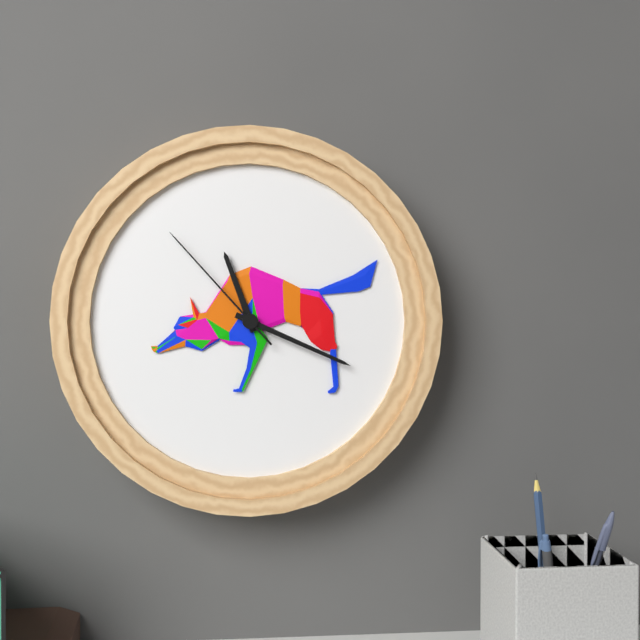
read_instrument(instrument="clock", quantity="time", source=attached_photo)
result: 11:19:53
